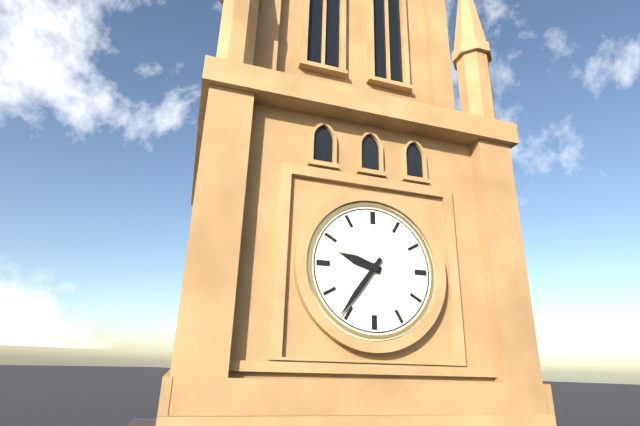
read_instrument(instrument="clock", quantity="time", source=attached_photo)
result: 9:36
